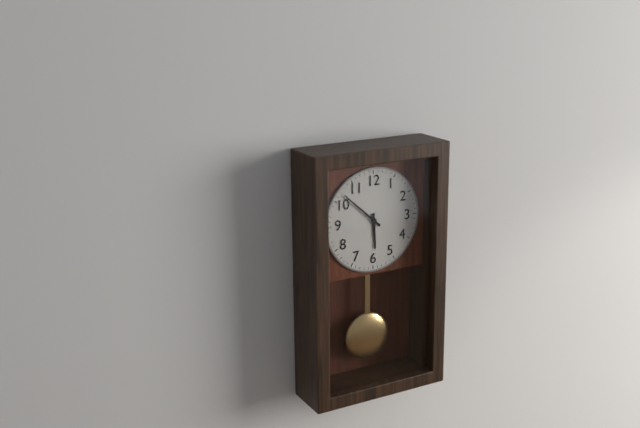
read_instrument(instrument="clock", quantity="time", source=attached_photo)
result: 5:52
